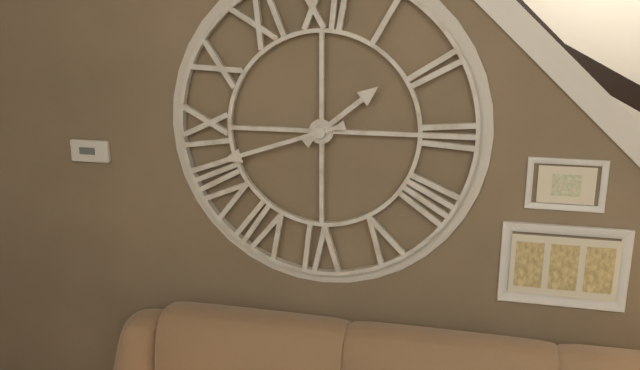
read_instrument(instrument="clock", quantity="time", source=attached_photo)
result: 1:42
